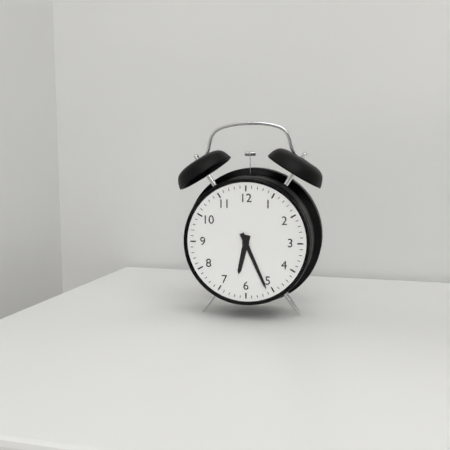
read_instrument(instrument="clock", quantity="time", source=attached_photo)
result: 6:26
